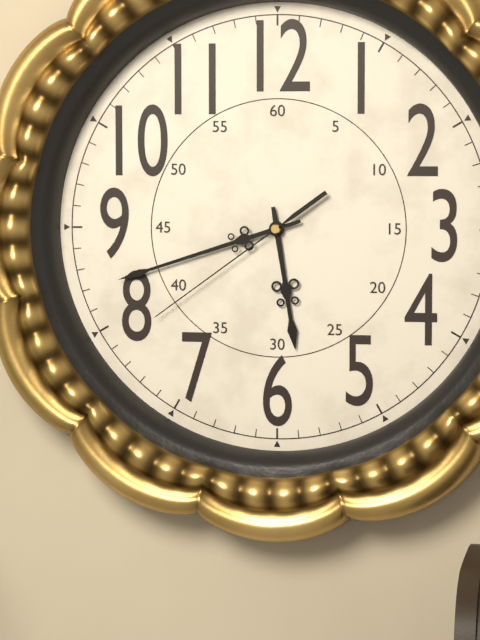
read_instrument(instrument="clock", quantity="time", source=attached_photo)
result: 5:42:39
